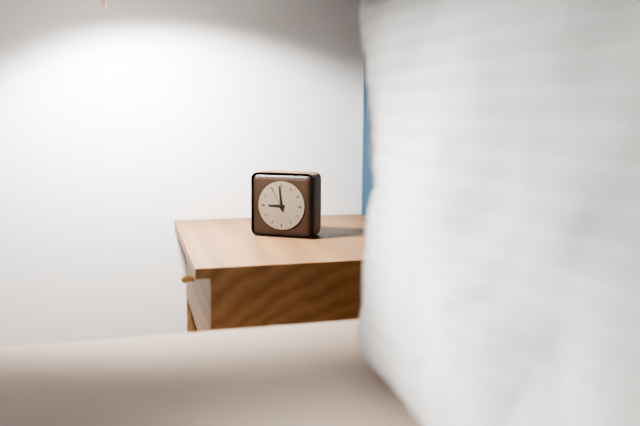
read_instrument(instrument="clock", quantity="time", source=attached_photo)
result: 8:59
